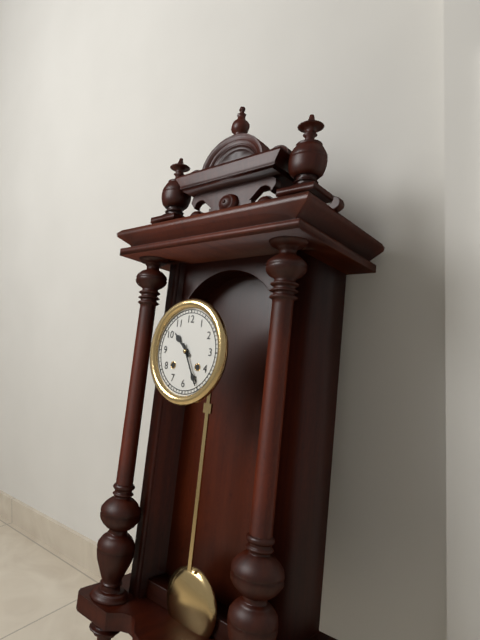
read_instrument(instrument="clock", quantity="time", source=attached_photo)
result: 10:25
